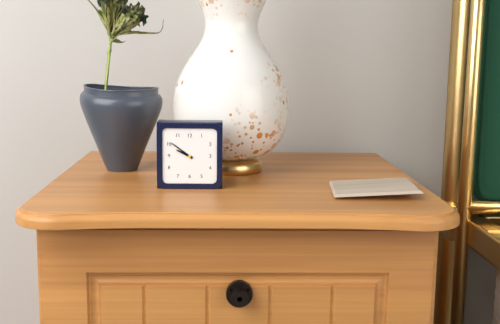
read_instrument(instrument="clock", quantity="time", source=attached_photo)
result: 9:51
